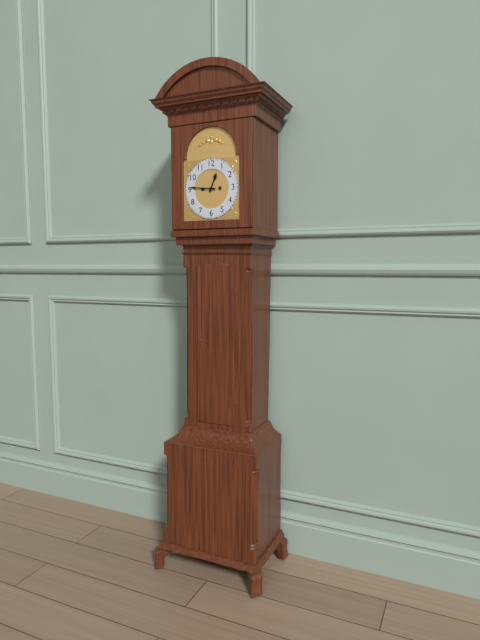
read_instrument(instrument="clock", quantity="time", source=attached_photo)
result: 12:46
